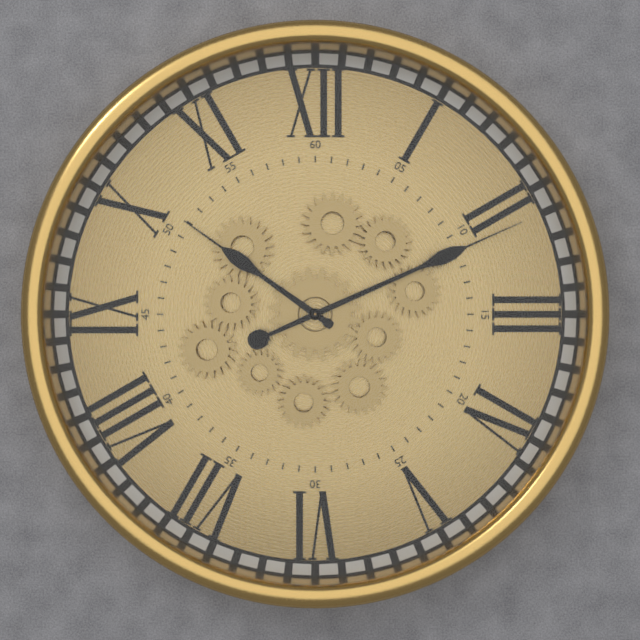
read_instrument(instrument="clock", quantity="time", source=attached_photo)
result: 10:11
